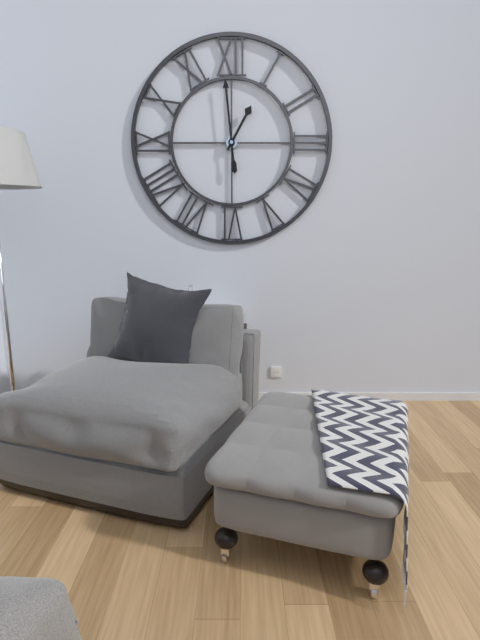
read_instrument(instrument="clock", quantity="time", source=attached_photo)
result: 12:59
